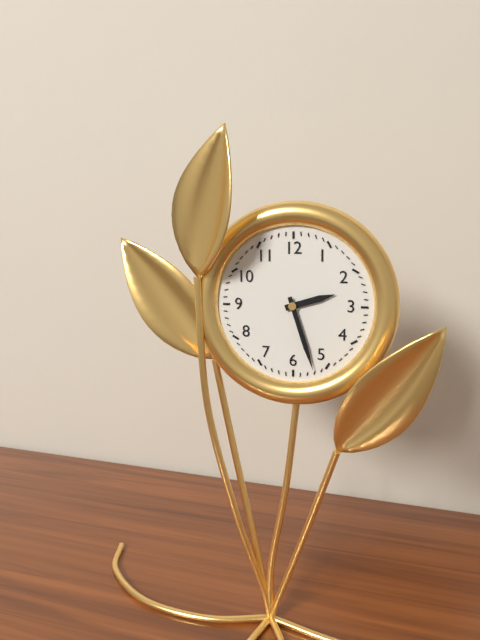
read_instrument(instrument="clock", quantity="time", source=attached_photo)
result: 2:27
